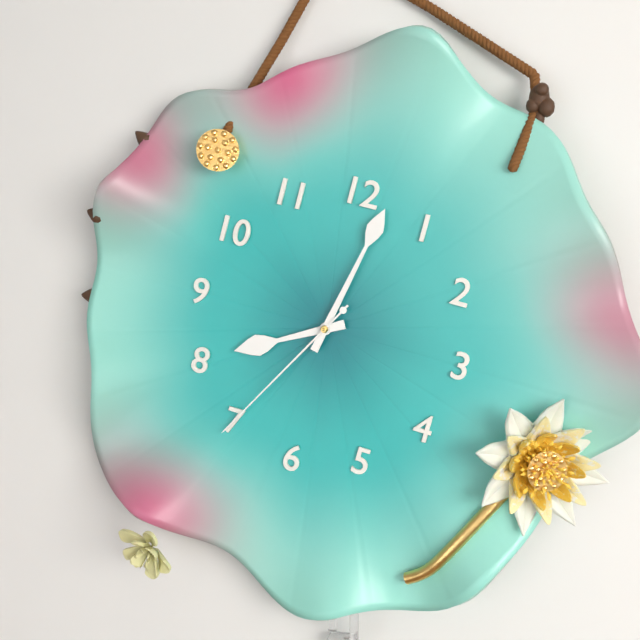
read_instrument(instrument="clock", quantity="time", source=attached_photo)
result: 8:02:35
